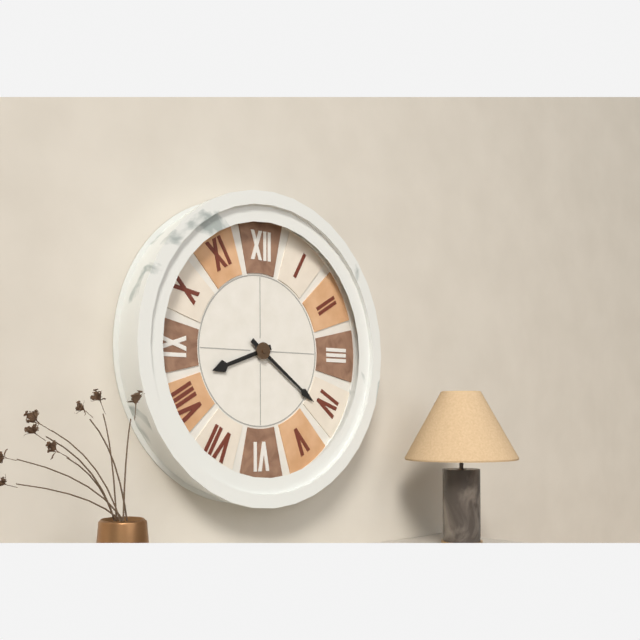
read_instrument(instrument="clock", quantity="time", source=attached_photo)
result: 8:21
